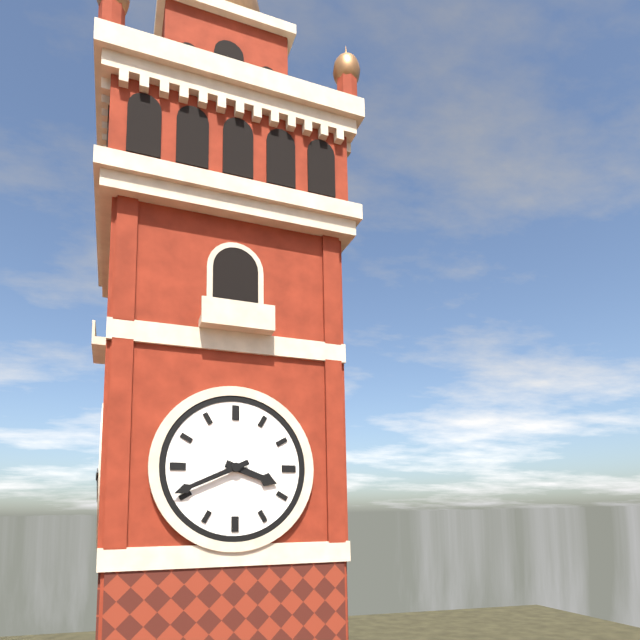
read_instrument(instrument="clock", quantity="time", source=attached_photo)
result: 3:41
